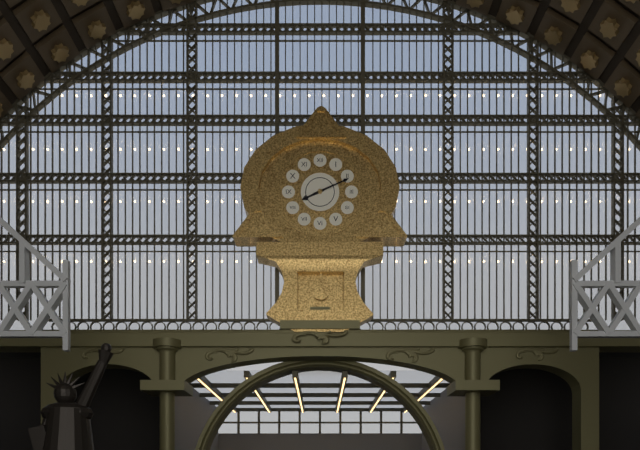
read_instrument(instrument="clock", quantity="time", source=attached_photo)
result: 8:11
